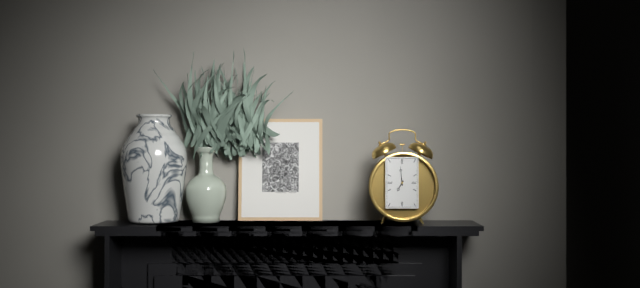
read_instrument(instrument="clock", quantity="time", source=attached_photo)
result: 6:59
